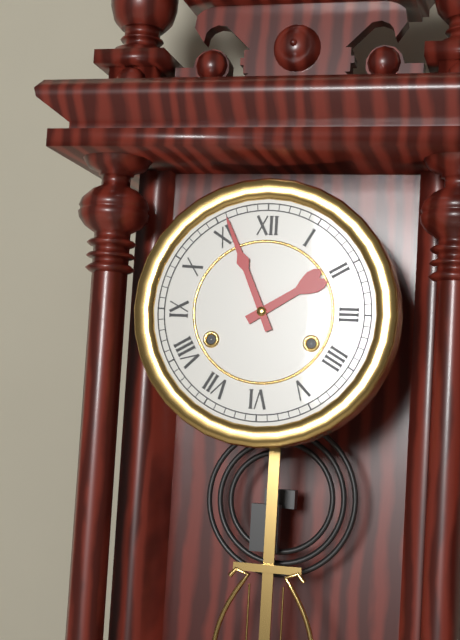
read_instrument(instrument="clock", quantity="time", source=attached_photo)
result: 1:56
